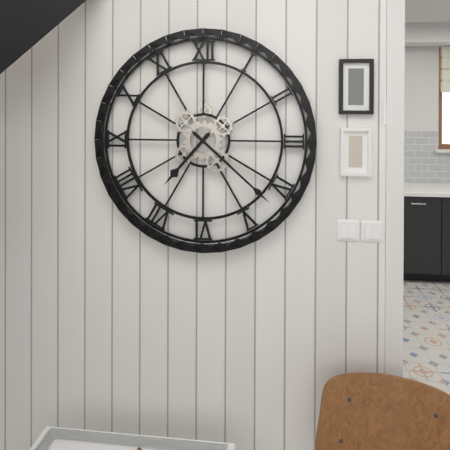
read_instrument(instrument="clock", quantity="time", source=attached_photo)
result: 7:22
